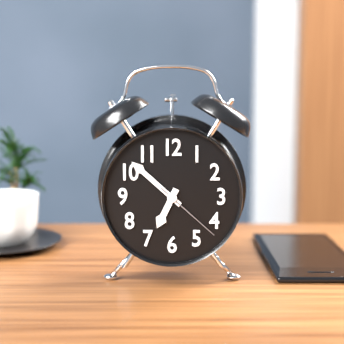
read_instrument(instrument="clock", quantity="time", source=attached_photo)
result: 6:52:22
